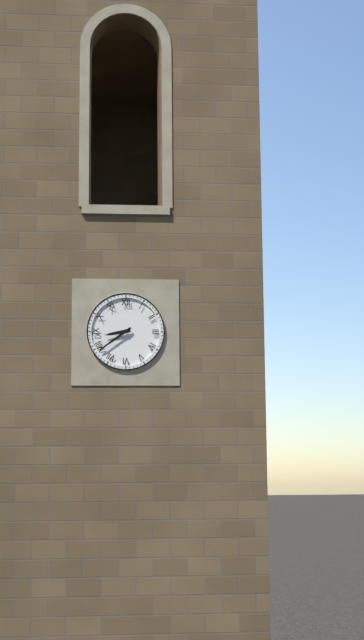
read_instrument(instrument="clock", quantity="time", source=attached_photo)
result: 8:39
